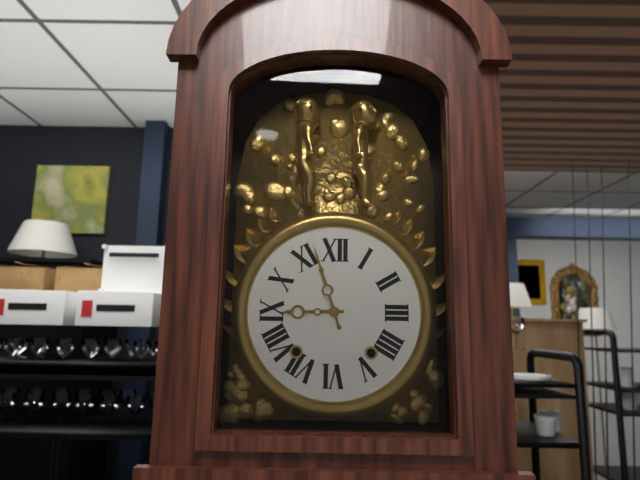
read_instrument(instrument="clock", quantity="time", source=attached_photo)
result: 8:57
